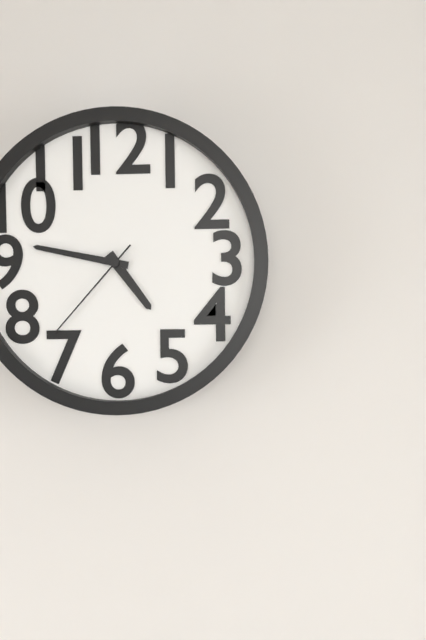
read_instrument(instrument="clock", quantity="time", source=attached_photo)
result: 4:47:37
